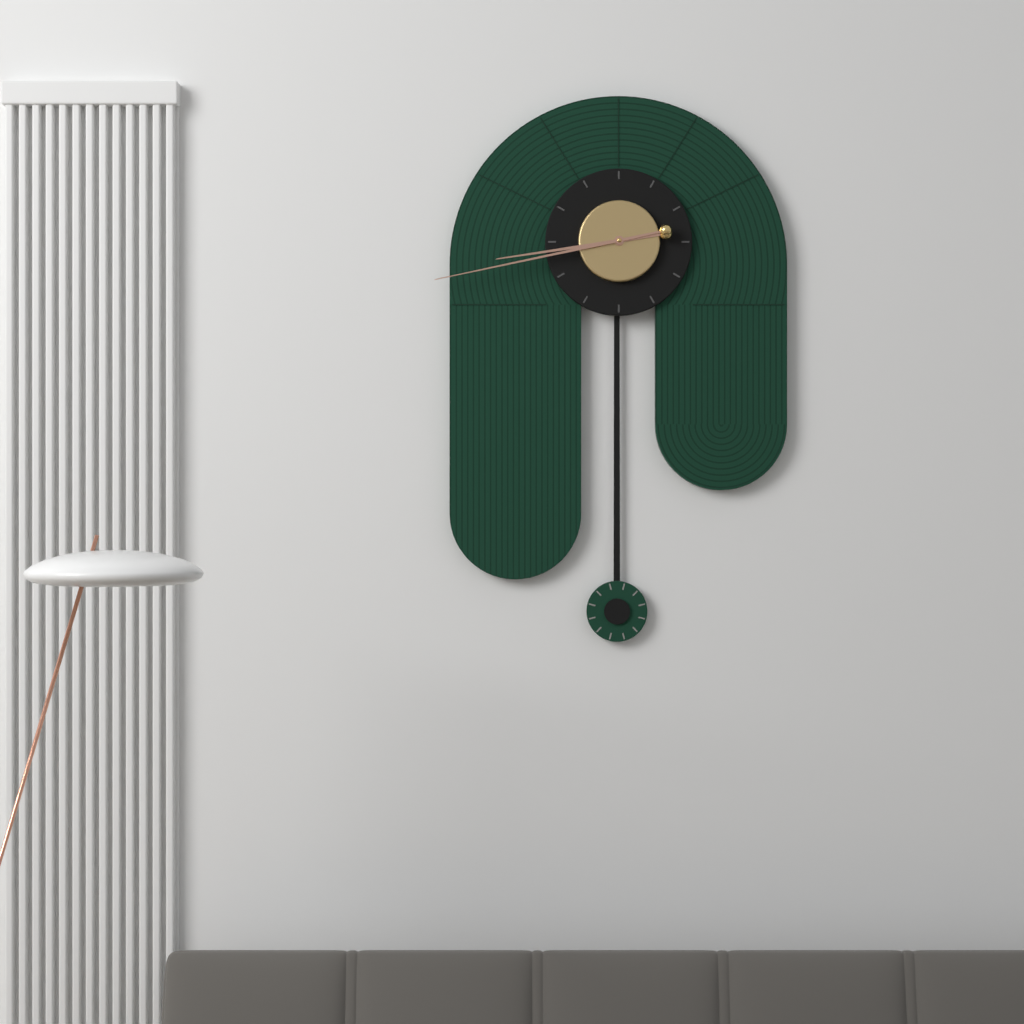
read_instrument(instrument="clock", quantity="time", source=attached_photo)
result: 8:43
